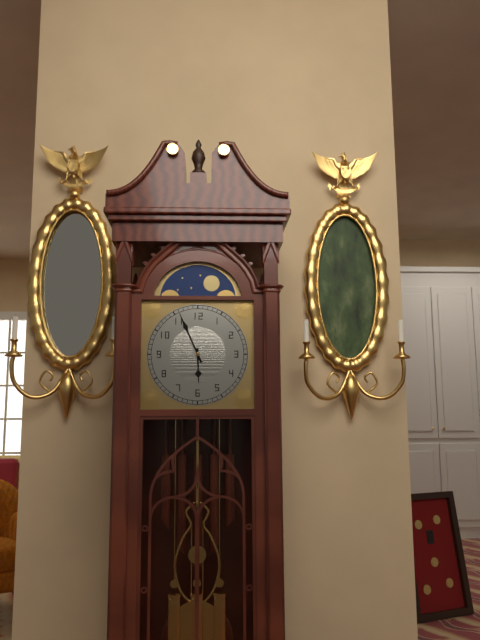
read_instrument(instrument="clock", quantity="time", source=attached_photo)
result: 5:56
